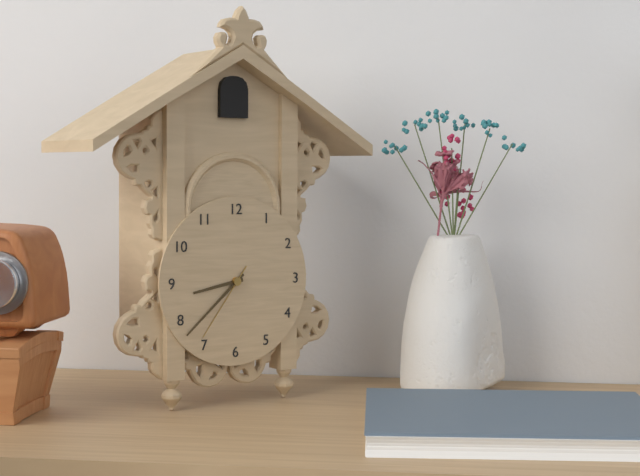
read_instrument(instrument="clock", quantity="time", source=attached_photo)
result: 8:38:36
